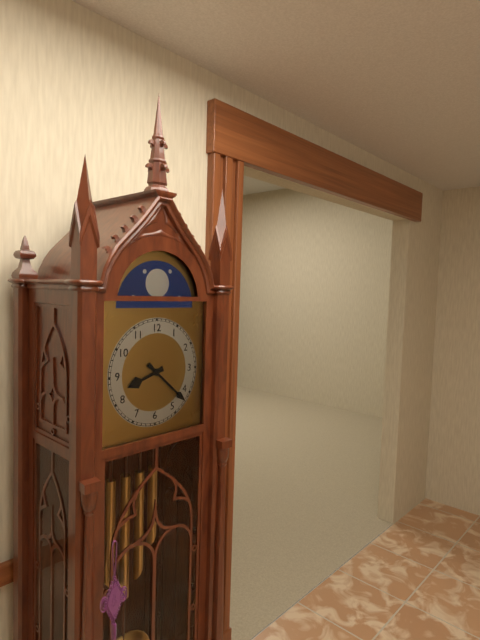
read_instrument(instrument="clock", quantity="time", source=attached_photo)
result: 8:22
